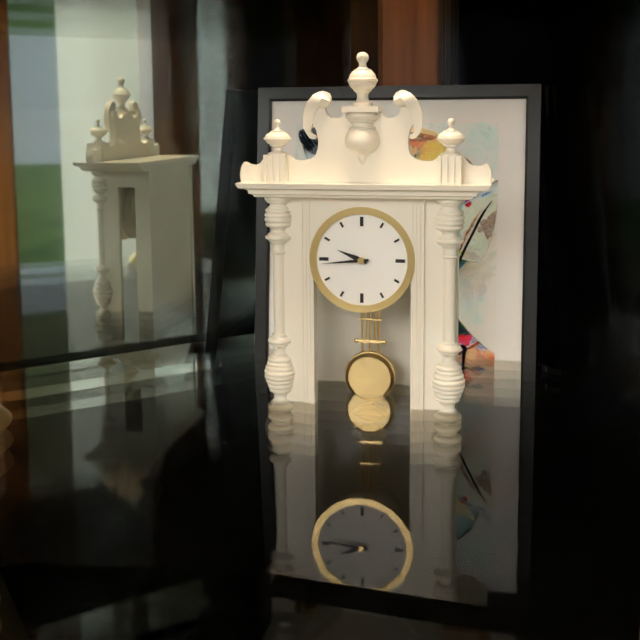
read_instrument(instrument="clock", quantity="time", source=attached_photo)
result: 9:44
